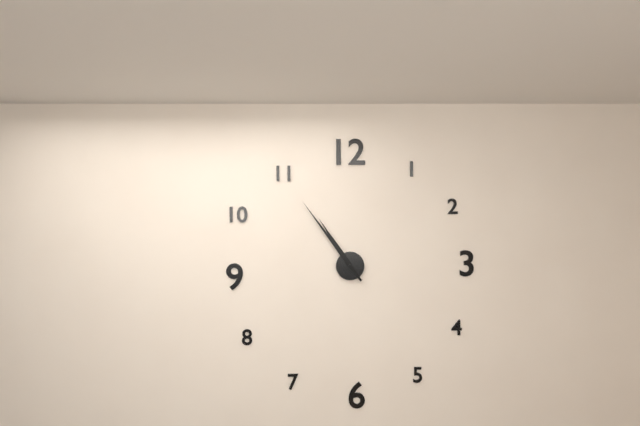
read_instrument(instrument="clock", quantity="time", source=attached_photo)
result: 10:54
